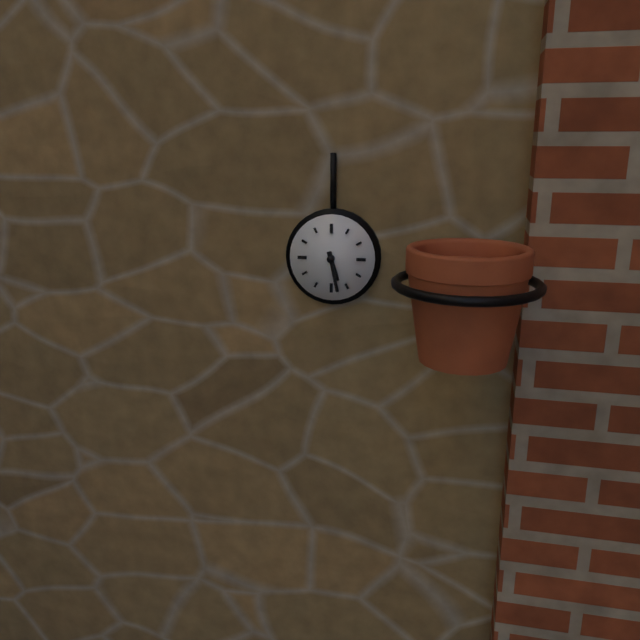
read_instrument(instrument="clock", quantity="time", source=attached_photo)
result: 5:28
